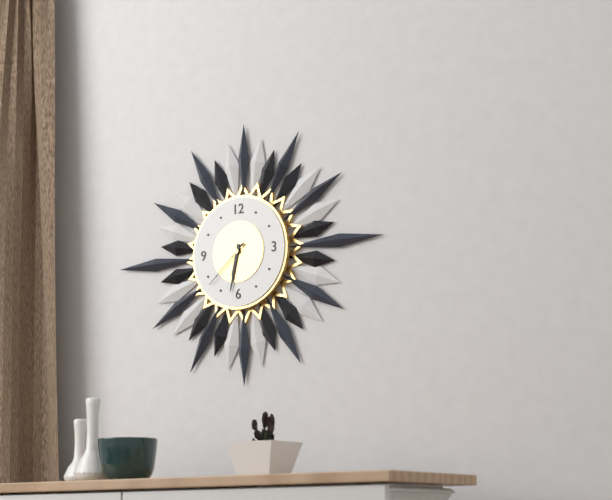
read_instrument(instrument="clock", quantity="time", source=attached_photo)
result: 6:32:38
